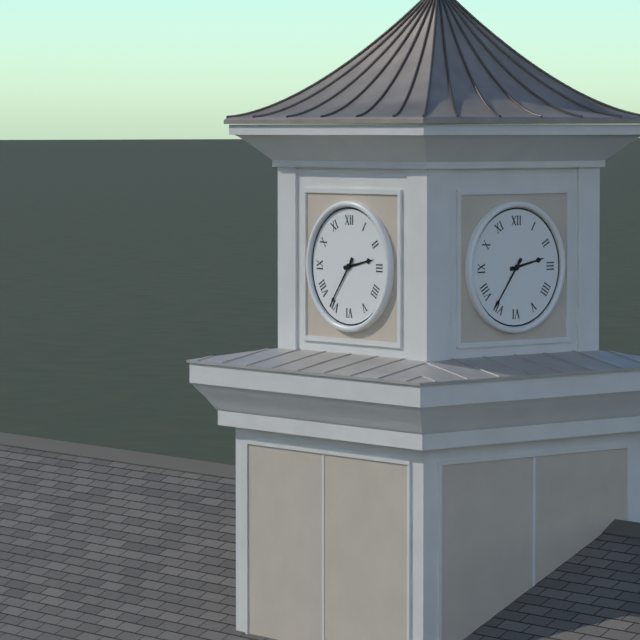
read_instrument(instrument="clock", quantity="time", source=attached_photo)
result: 2:36
